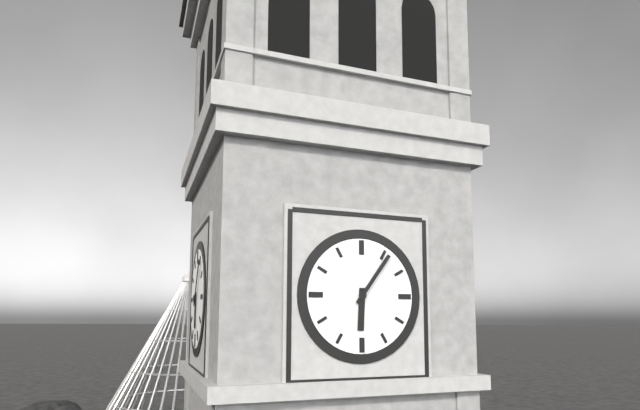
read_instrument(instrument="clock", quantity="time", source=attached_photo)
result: 6:06
